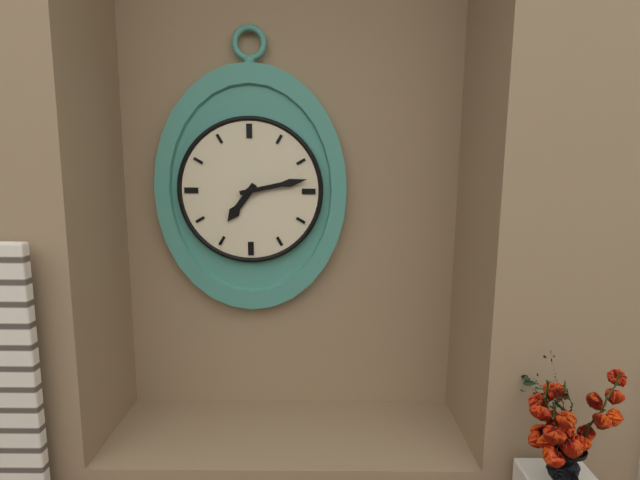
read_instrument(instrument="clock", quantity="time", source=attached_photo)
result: 7:13
